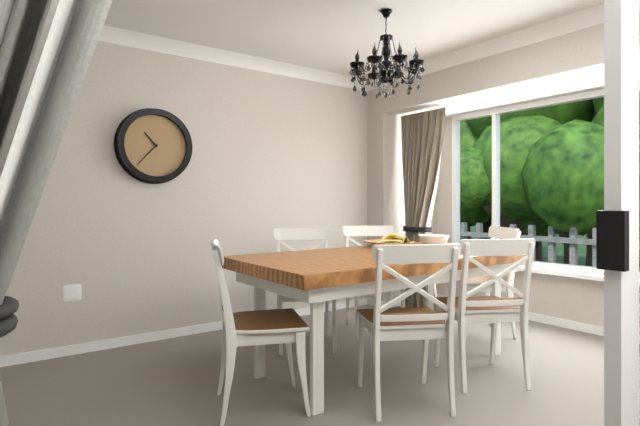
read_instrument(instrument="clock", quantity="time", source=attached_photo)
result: 10:37
